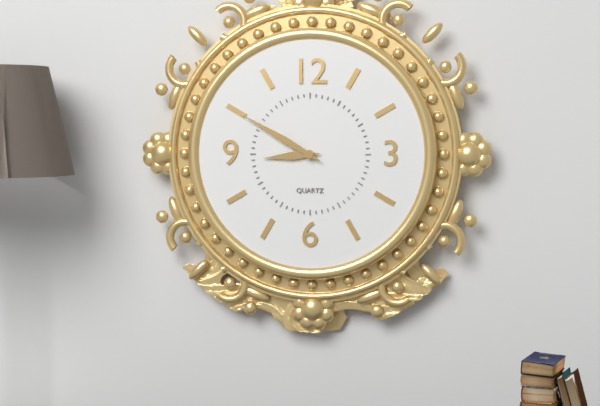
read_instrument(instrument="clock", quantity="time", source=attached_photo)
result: 8:50
